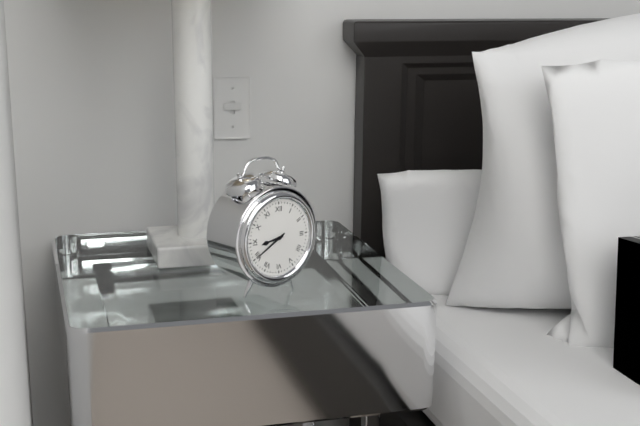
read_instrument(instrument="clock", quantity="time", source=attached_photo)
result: 8:40
